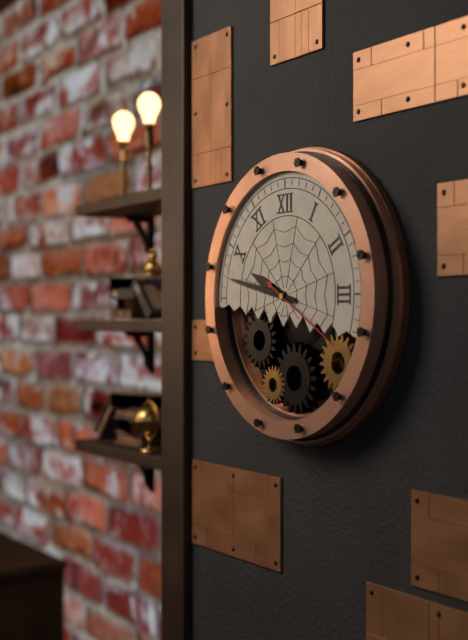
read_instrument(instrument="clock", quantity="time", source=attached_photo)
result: 9:47:20
